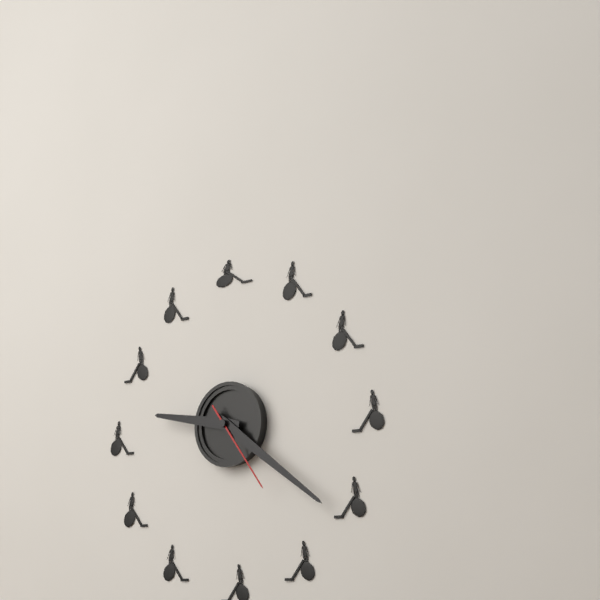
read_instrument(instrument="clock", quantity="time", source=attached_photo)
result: 9:21:24
